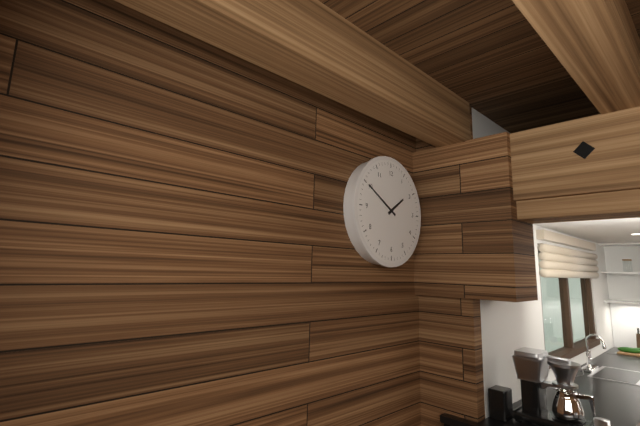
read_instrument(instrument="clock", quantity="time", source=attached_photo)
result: 1:50
